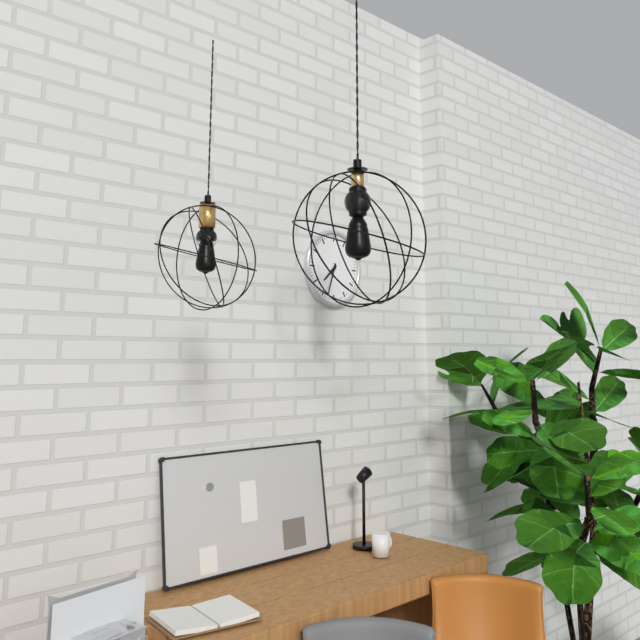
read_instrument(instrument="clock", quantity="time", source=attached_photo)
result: 7:33
